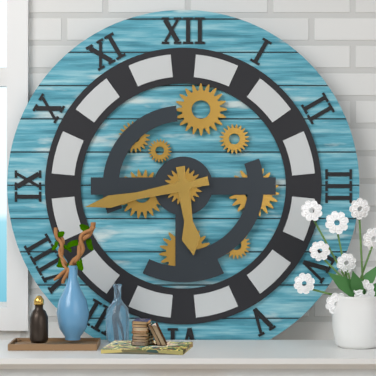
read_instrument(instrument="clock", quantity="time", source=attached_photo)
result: 5:43
